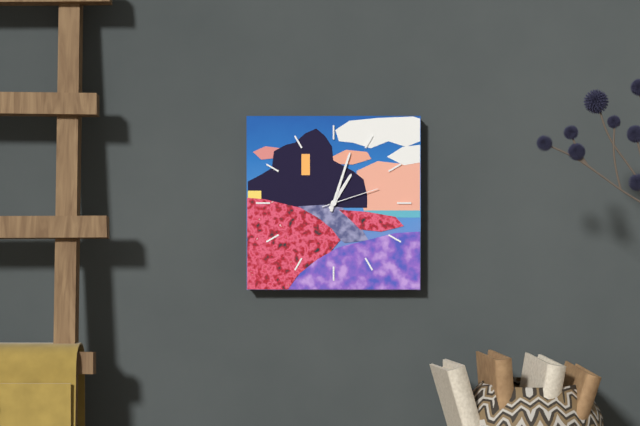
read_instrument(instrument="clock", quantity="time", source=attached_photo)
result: 1:03:12
